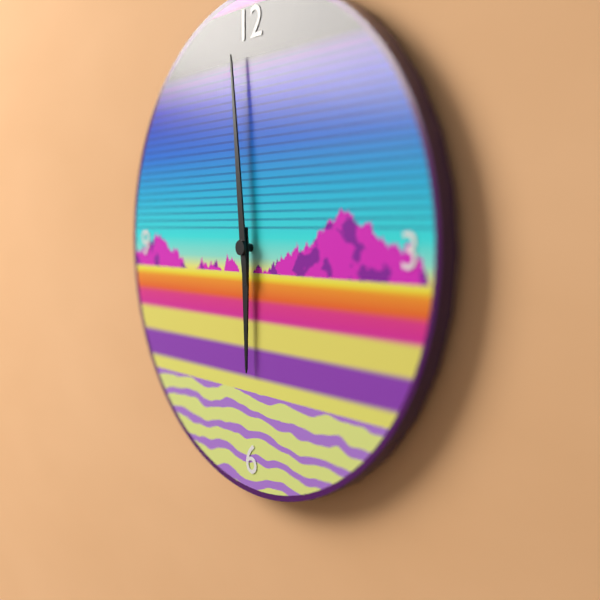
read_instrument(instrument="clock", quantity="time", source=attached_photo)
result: 5:59
